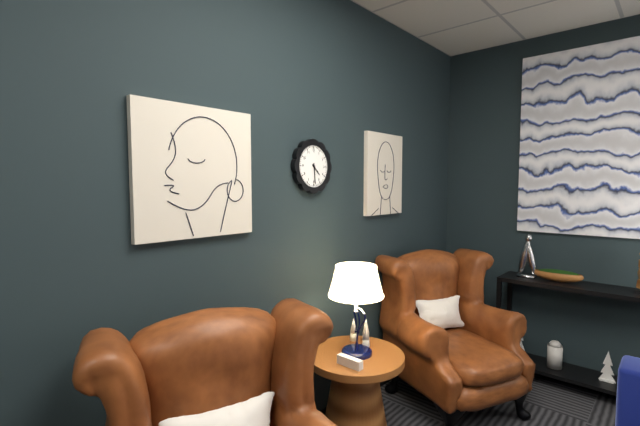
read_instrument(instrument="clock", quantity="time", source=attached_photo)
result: 4:29
